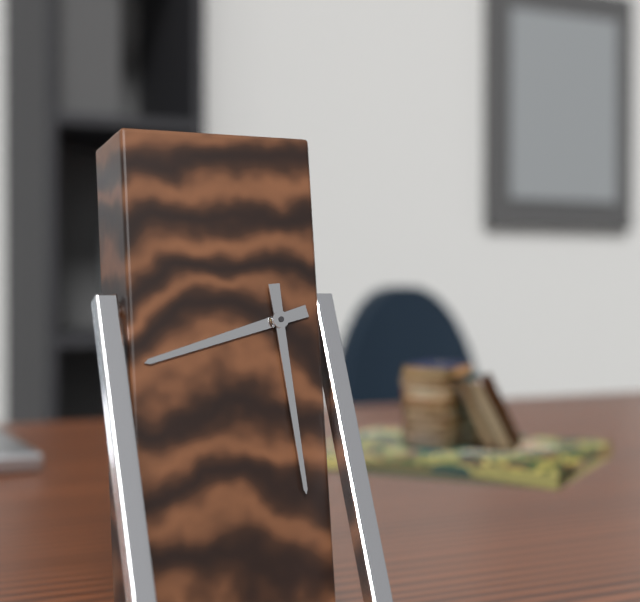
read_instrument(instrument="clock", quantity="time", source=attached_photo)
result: 8:29
